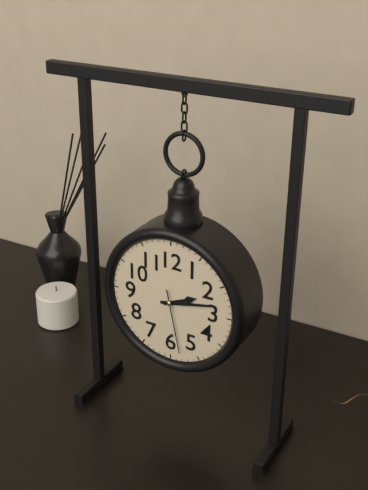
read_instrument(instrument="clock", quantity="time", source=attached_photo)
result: 2:13:28
